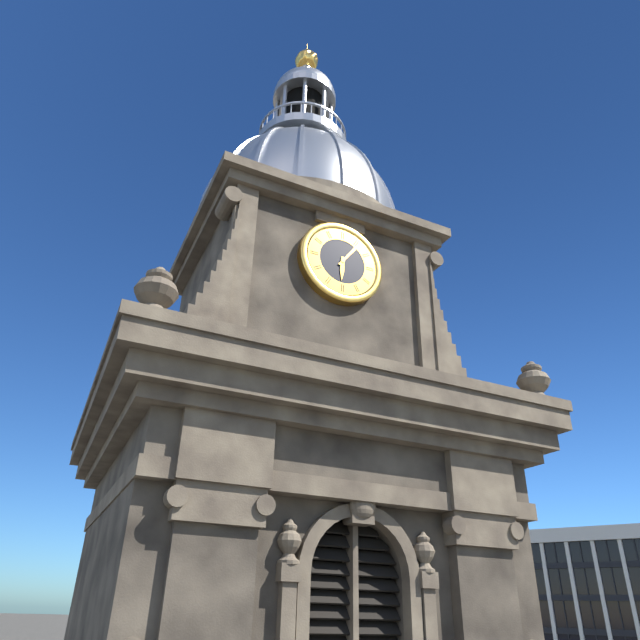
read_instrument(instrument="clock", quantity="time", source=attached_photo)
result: 6:06
